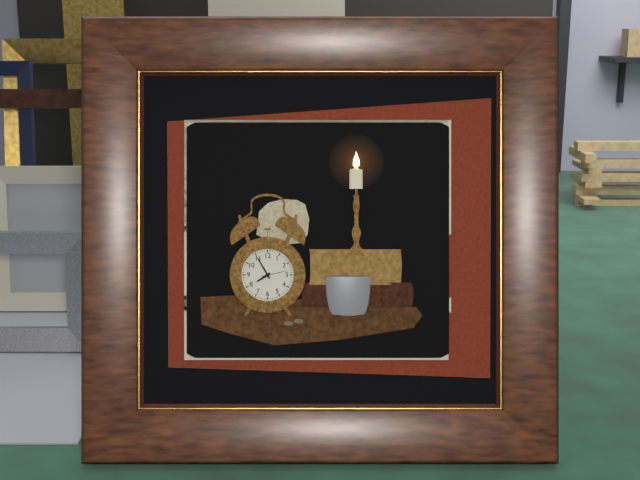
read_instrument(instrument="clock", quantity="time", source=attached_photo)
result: 7:55
